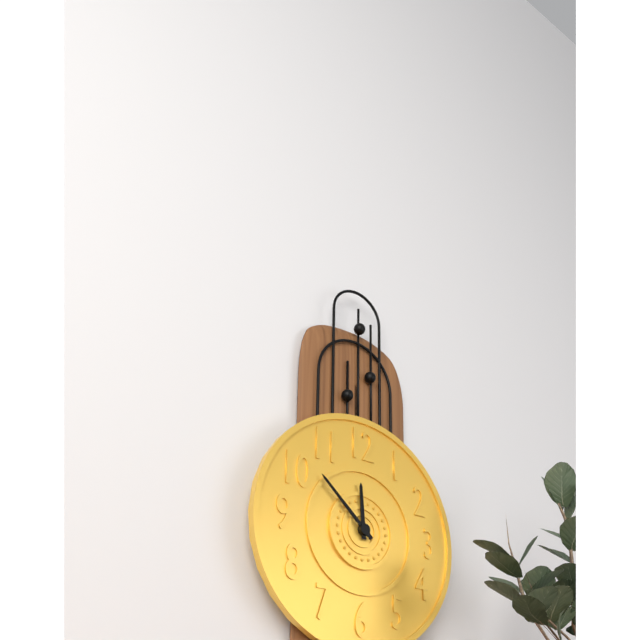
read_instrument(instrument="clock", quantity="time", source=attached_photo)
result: 11:52
